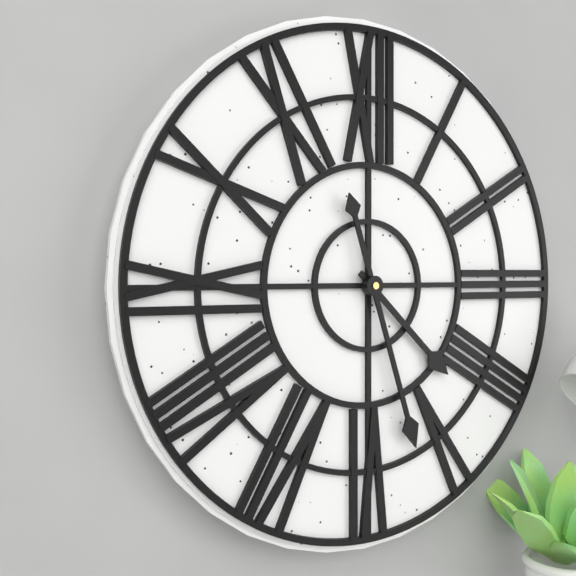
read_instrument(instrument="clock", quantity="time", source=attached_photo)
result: 4:27
